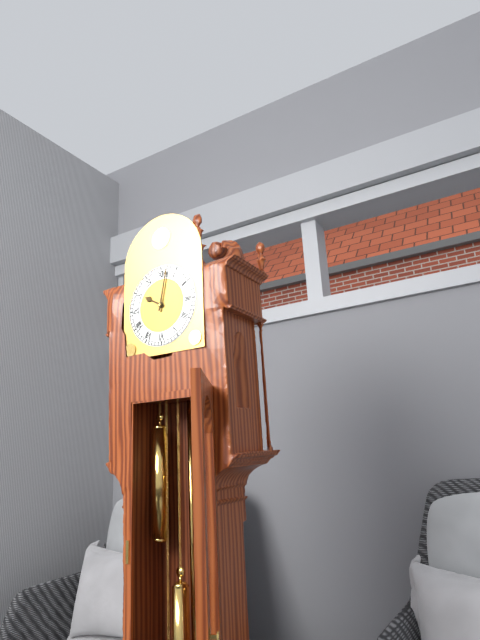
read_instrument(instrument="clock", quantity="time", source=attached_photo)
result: 10:02
